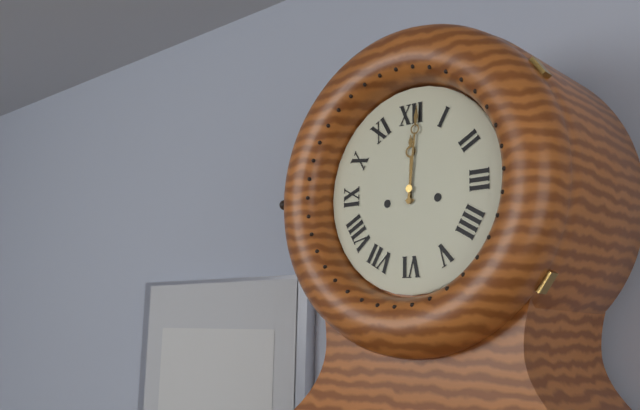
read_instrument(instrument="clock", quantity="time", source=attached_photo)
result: 12:01
